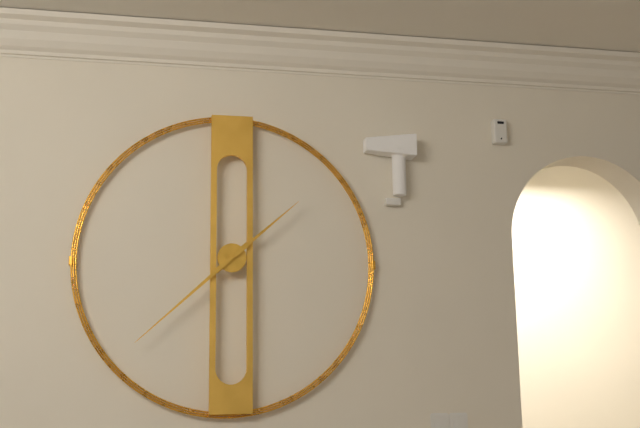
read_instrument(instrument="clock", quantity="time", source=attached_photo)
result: 1:38
